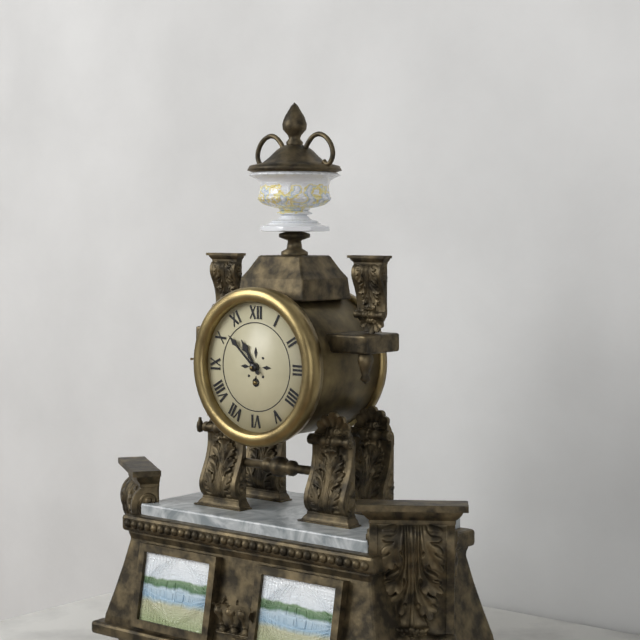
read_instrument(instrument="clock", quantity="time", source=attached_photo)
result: 10:52
